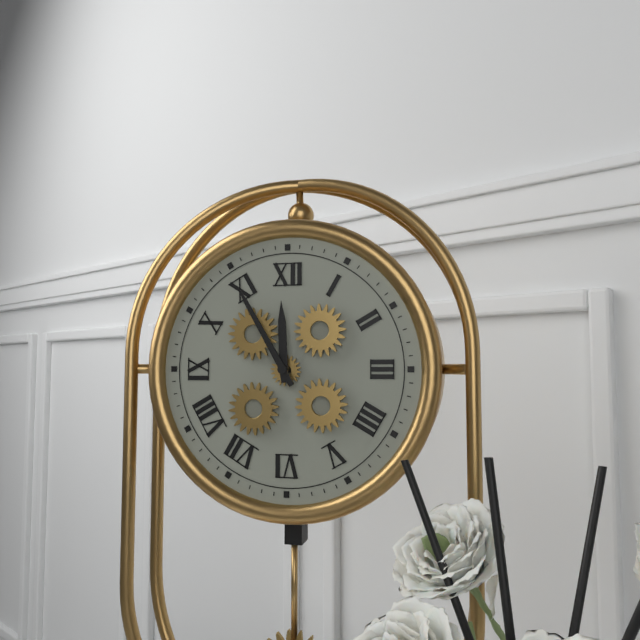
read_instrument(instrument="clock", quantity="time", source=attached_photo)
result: 11:55
